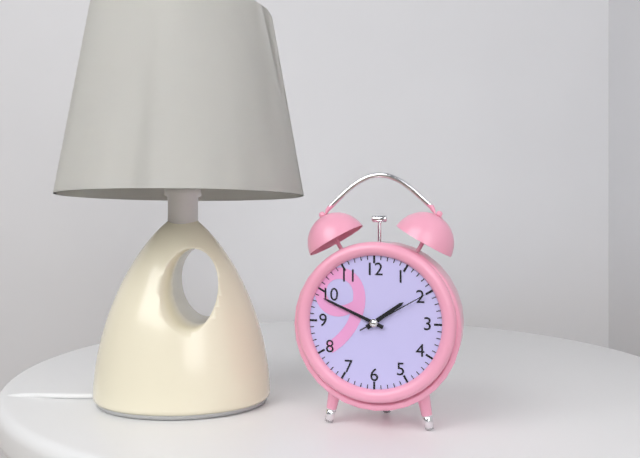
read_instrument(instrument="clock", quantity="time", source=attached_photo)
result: 1:49:10
